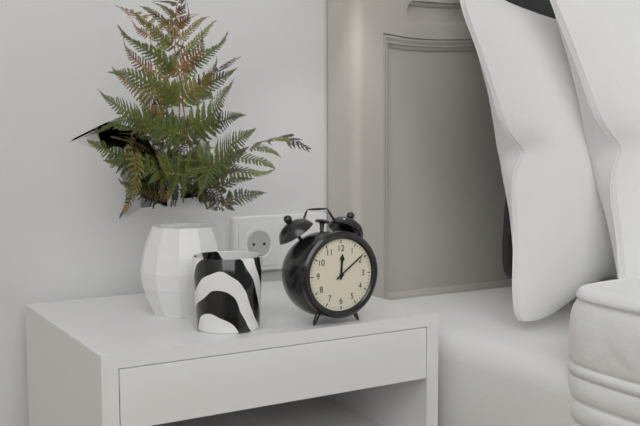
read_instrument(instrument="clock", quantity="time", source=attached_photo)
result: 12:09
